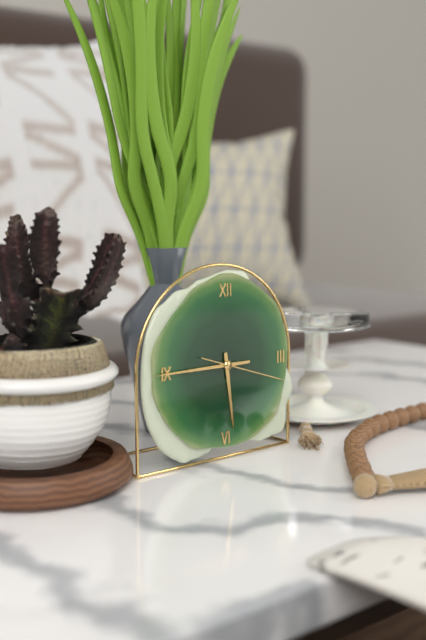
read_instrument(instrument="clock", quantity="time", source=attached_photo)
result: 5:45:18
